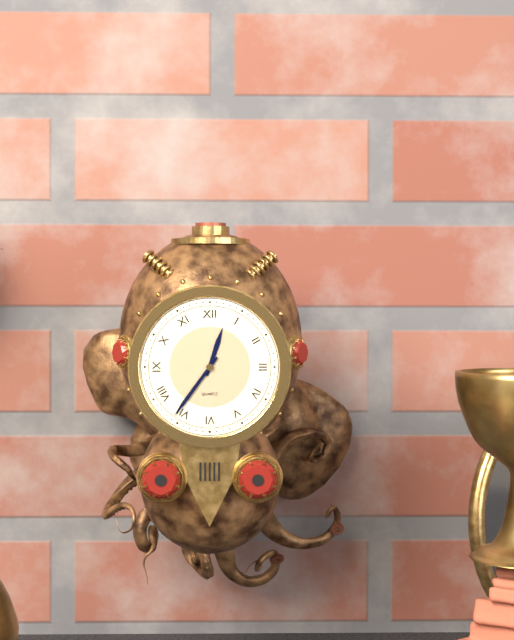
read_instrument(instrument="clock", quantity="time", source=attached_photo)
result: 12:36
